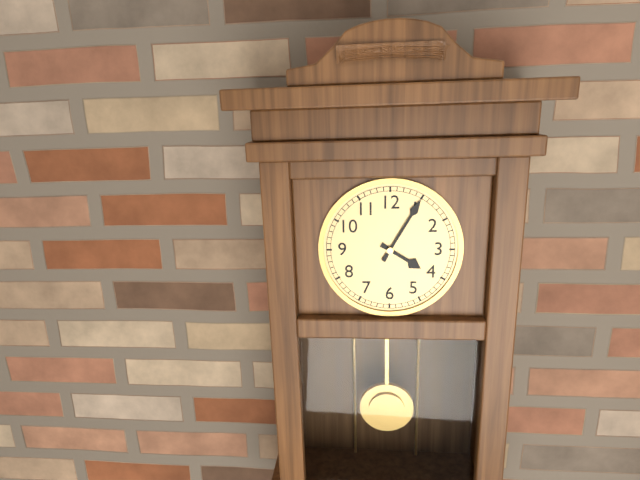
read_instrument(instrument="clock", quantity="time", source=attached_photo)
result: 4:05
